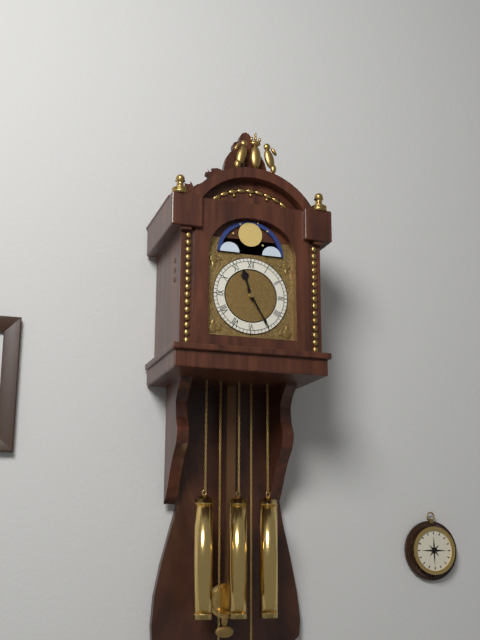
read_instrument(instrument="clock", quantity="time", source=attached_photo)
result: 11:25
